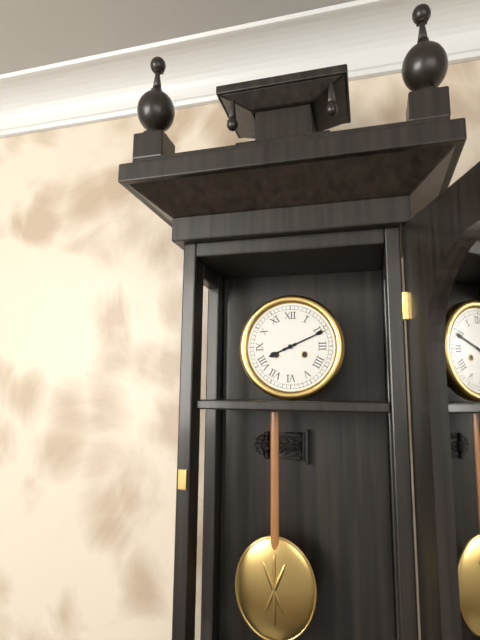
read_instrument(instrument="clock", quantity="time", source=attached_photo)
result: 8:11
